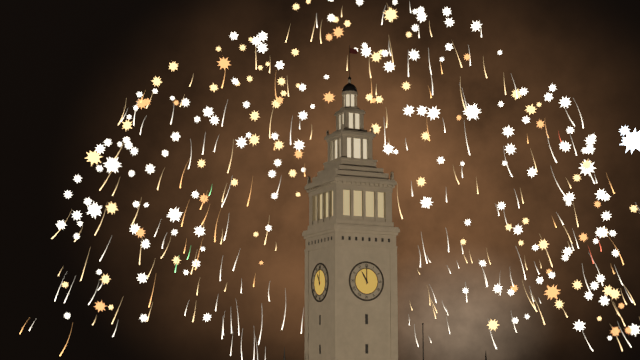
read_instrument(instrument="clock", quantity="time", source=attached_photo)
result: 11:00
